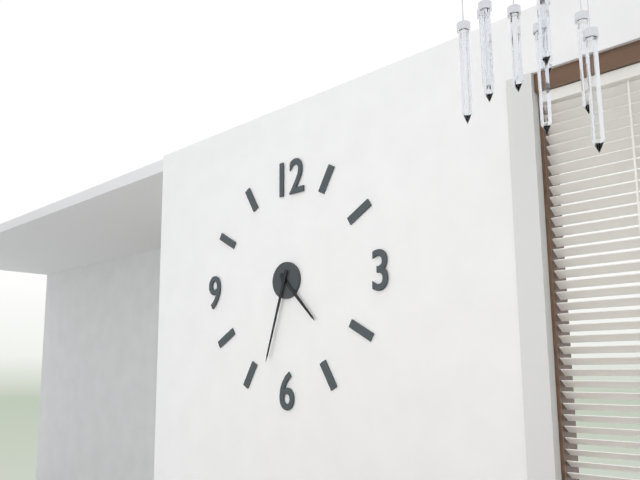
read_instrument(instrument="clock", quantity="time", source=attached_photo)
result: 4:33
